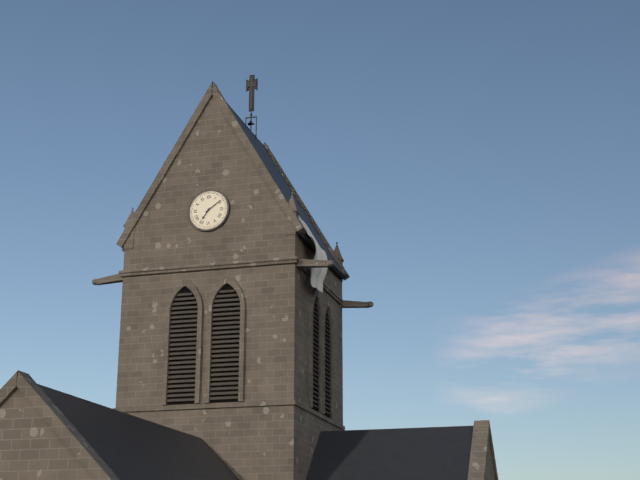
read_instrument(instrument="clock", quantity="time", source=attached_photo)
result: 7:09
